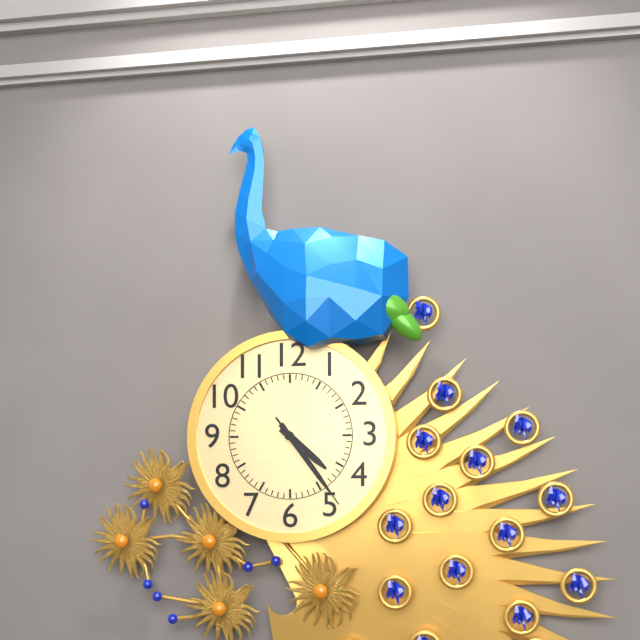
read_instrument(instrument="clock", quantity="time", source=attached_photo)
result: 4:24:24
